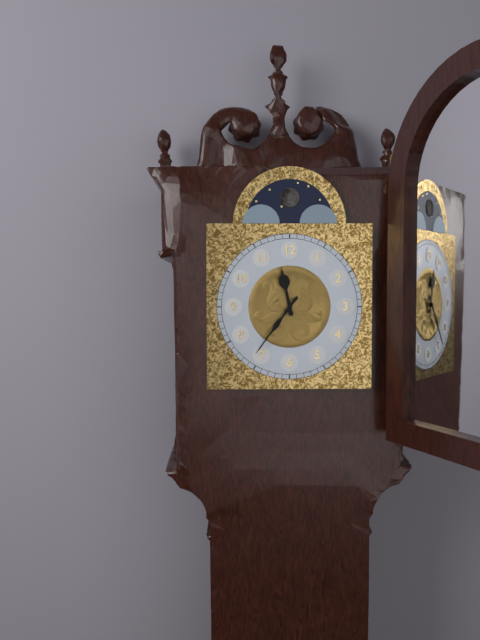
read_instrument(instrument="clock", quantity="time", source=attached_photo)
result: 11:36
